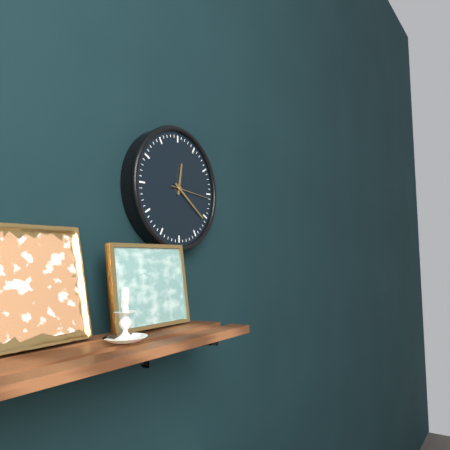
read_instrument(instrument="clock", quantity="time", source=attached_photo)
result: 12:21:16
